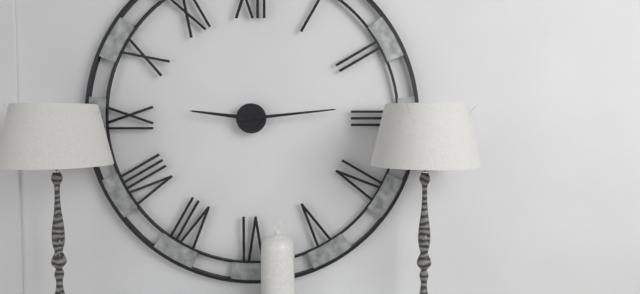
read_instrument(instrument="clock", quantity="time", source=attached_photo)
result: 9:14
